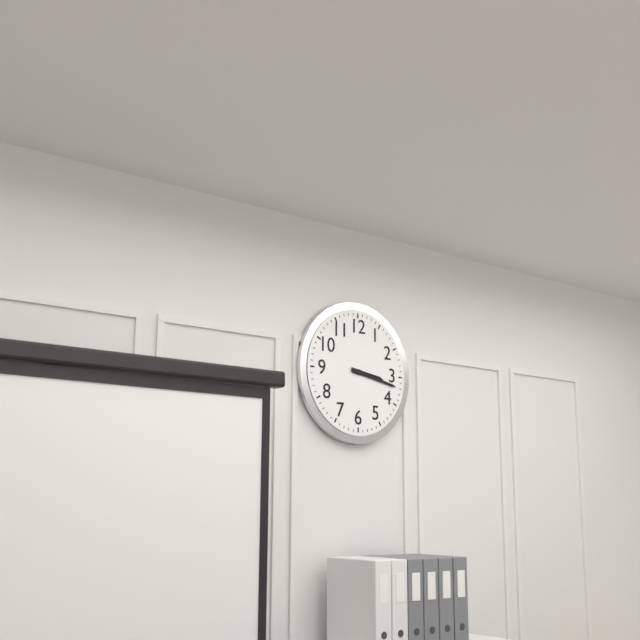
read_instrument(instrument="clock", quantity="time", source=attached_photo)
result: 3:17
